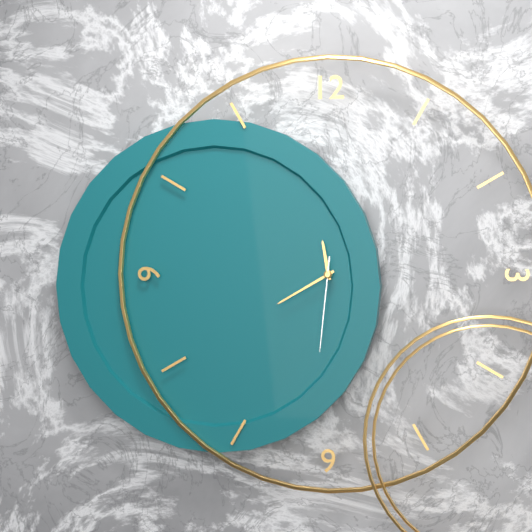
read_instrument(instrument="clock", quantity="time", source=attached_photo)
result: 11:40:31
